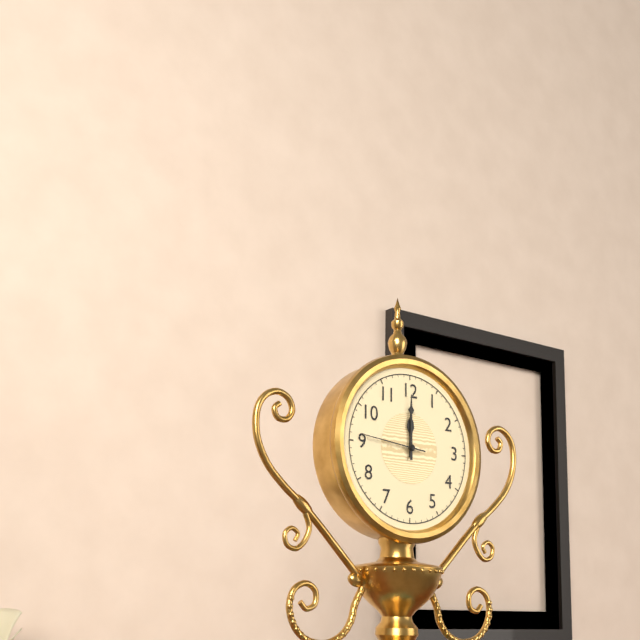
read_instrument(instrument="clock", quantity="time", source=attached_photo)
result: 12:00:46
